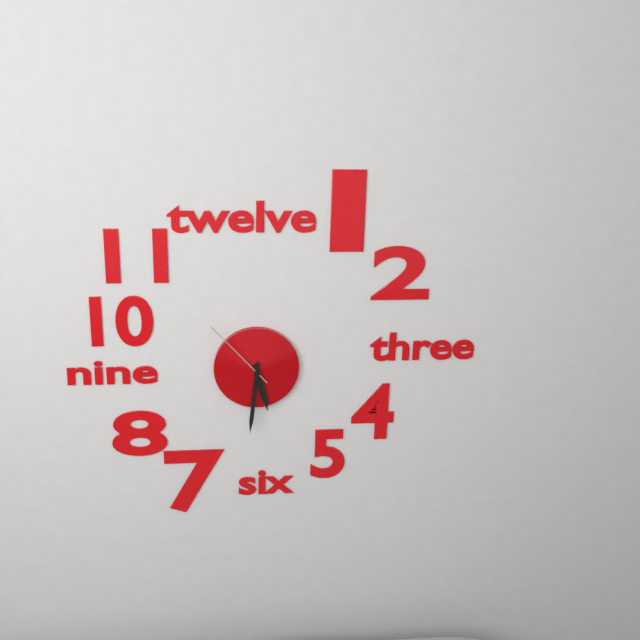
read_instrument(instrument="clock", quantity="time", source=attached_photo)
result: 5:31:53
